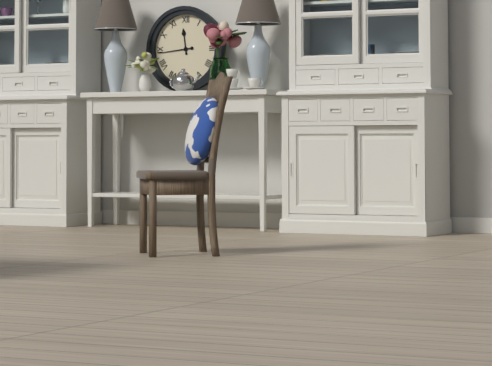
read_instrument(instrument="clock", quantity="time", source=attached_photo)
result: 11:44
